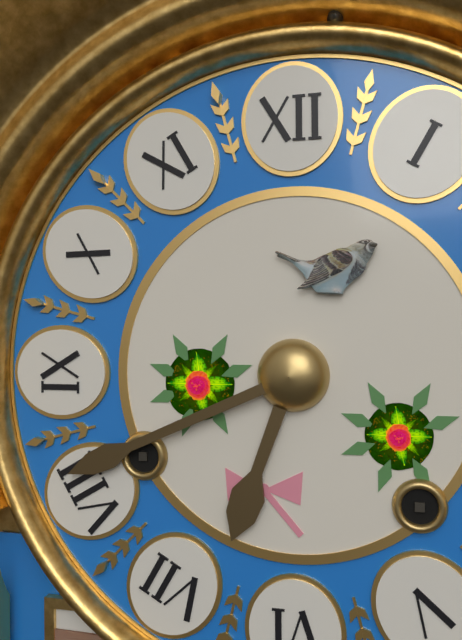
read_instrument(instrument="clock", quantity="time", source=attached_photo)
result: 6:41
